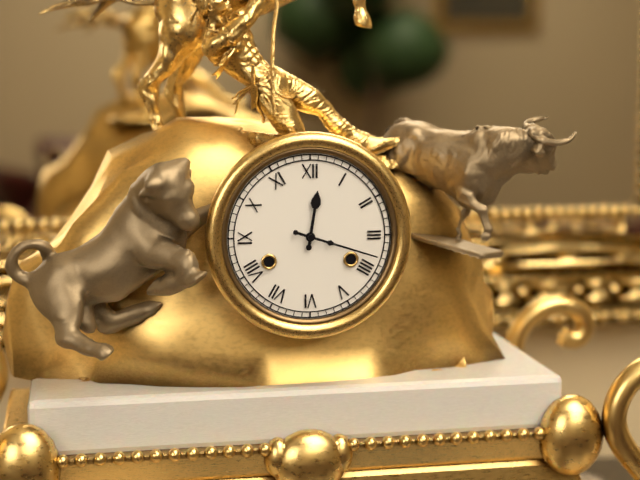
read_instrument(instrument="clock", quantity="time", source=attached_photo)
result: 12:18
